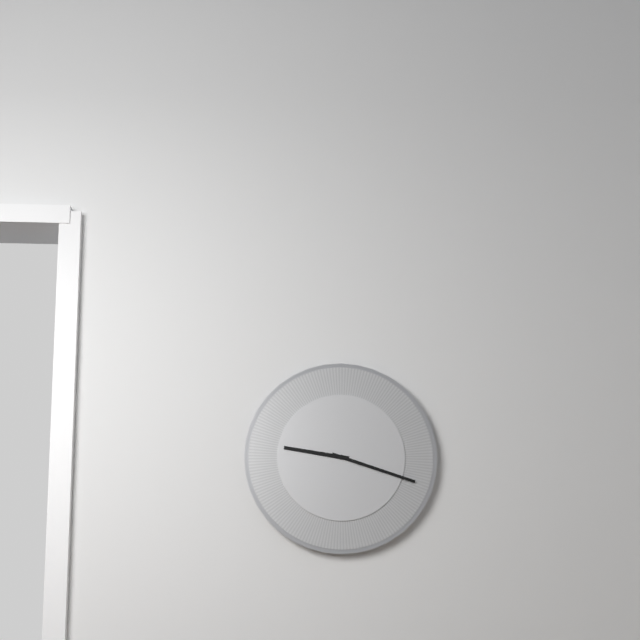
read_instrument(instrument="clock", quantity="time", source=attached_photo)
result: 9:18
